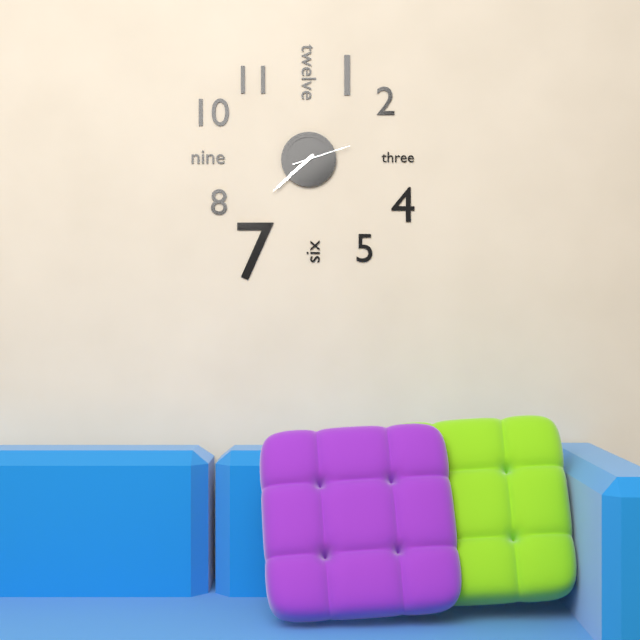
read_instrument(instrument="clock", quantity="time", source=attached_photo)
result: 7:38:12
